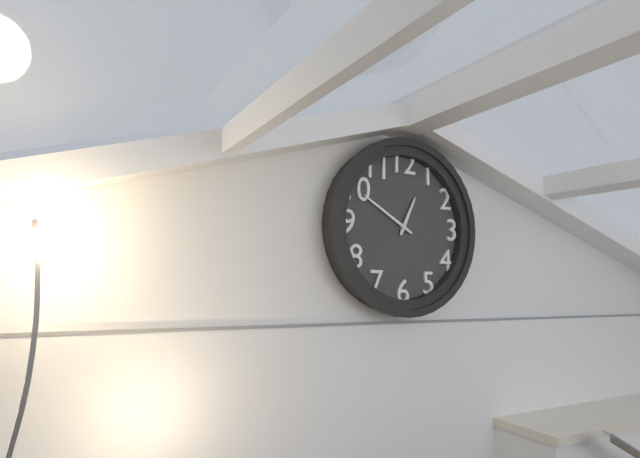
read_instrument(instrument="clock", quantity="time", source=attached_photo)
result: 12:50
